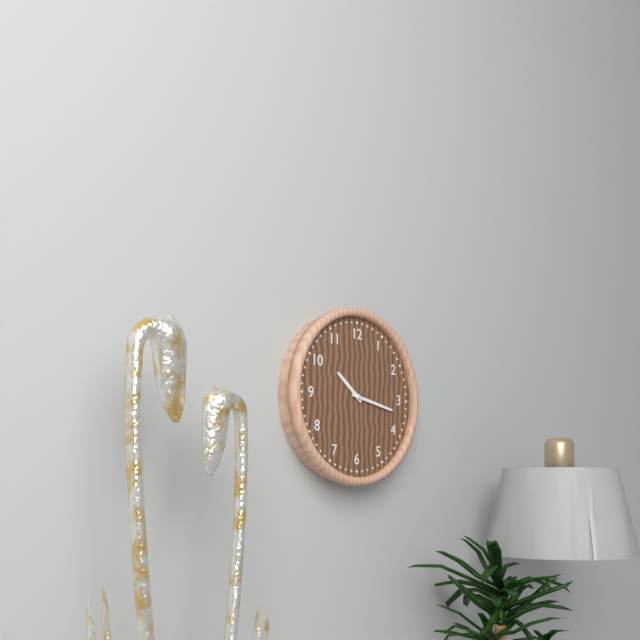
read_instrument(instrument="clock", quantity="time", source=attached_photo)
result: 10:17
